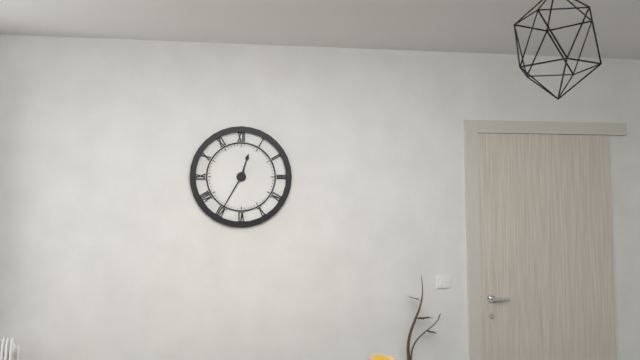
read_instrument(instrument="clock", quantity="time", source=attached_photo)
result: 12:35
